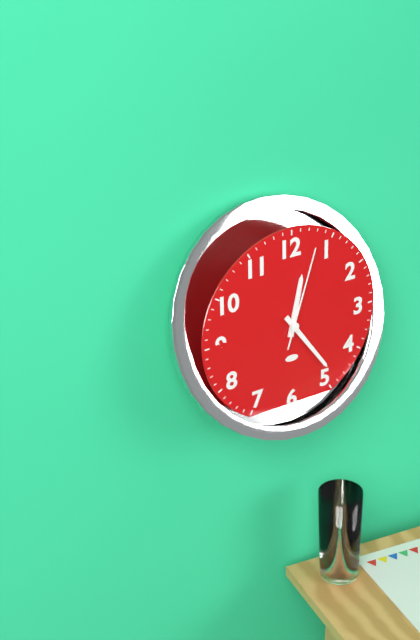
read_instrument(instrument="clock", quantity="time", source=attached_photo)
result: 12:24:03
